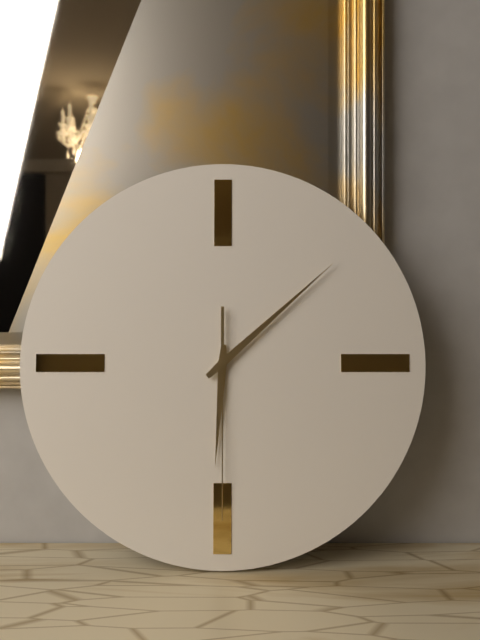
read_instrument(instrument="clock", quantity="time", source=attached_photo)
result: 6:08:30
